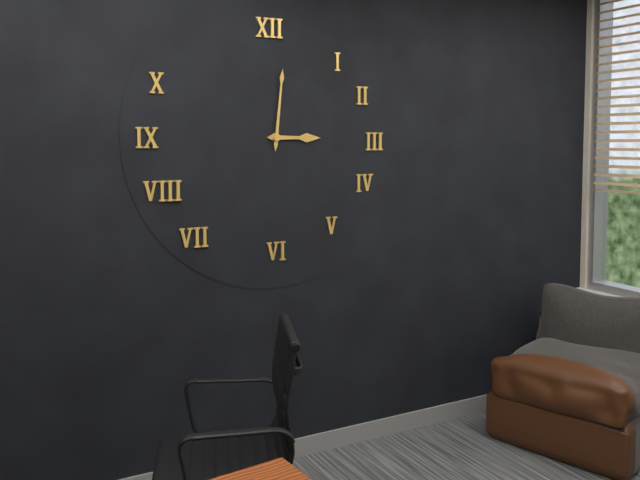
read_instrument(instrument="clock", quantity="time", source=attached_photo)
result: 3:01
